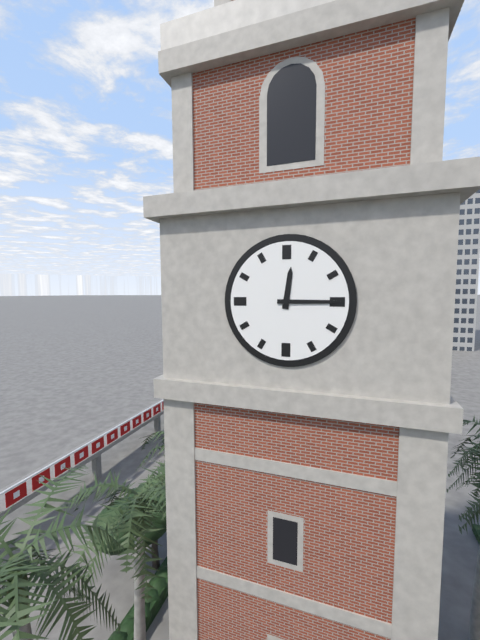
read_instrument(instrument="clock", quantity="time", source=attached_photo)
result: 12:15
